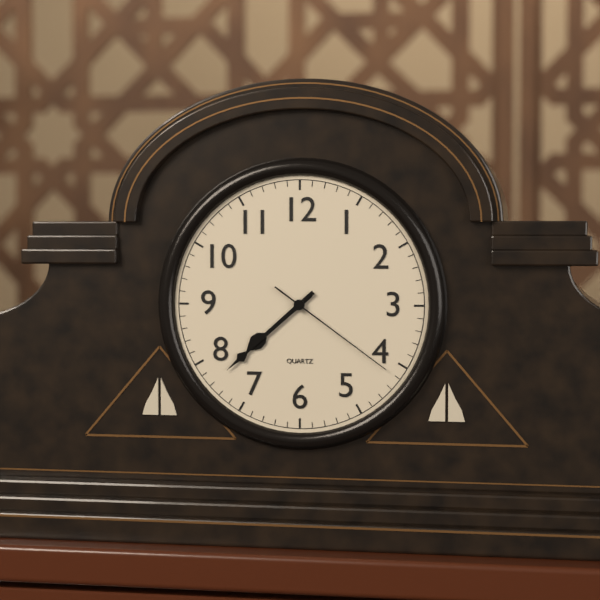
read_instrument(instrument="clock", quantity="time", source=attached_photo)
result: 7:38:21
